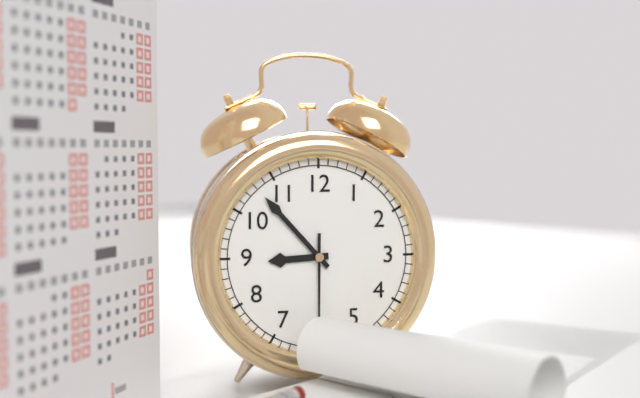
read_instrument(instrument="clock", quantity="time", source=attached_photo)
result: 8:53
